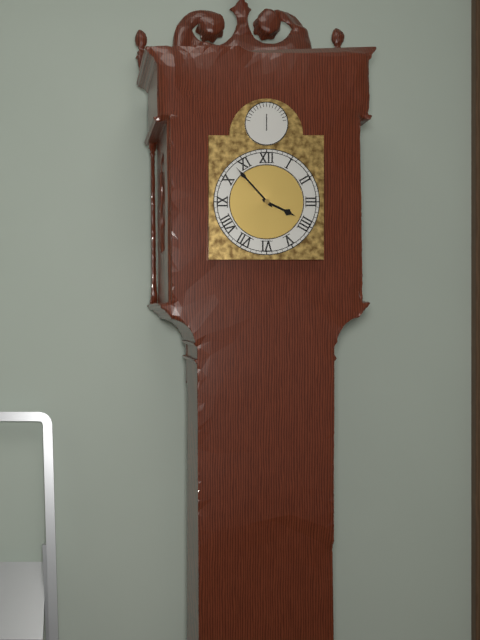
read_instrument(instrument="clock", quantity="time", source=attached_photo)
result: 3:53
